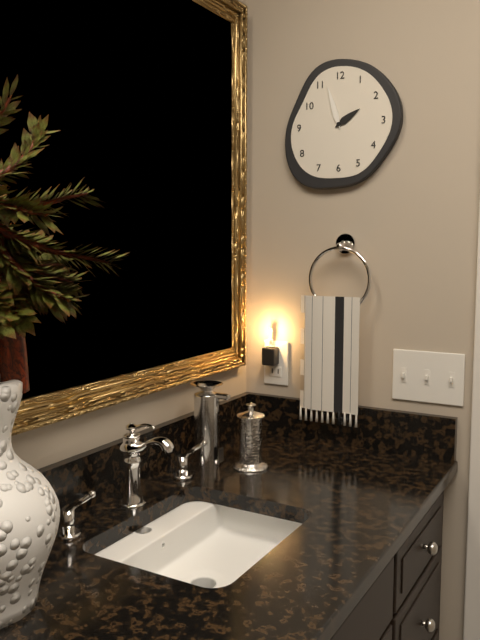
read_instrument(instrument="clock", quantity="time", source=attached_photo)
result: 1:57
